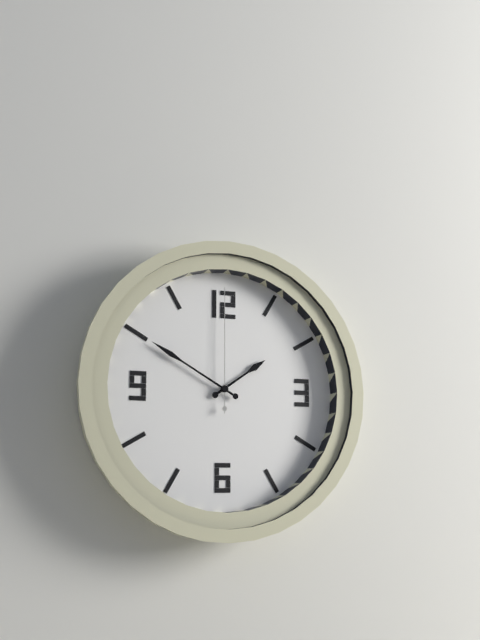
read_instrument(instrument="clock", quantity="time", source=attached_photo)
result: 1:50:00
